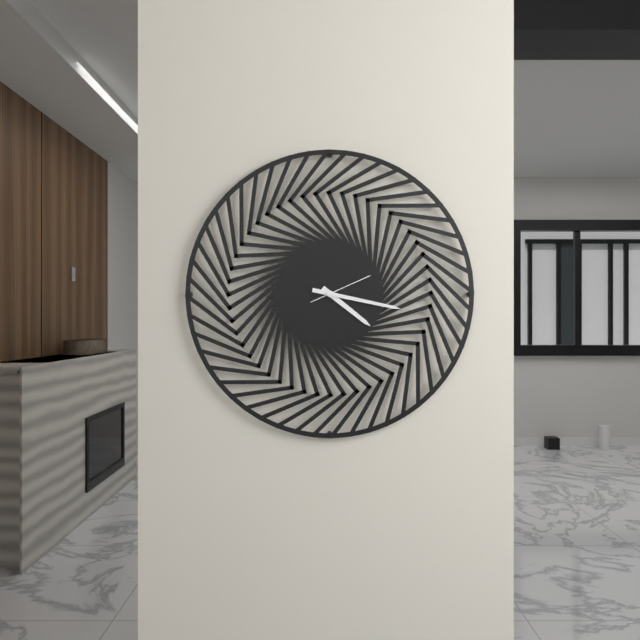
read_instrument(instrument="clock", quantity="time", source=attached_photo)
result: 4:17:11
